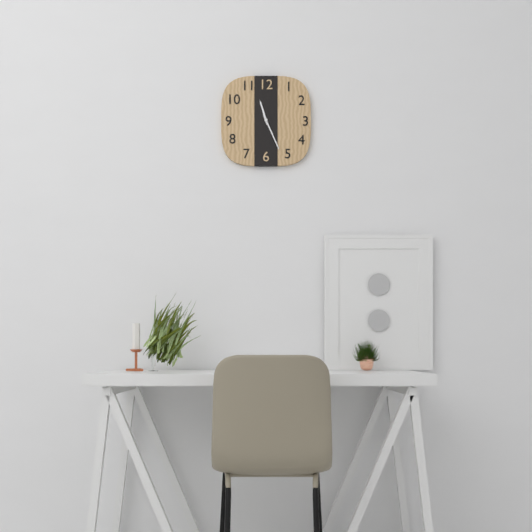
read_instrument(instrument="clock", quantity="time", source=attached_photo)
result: 11:26
